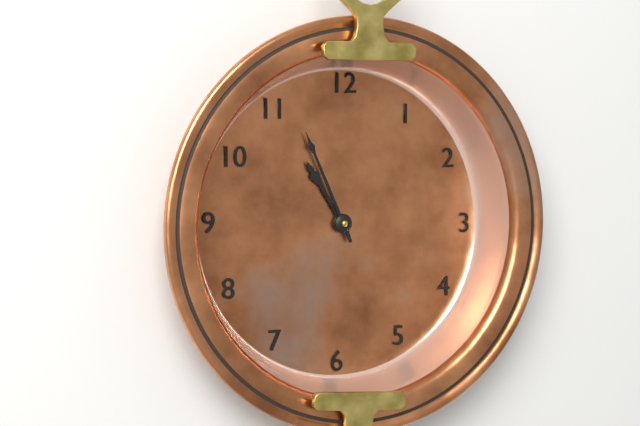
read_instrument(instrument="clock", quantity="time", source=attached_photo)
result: 10:56
